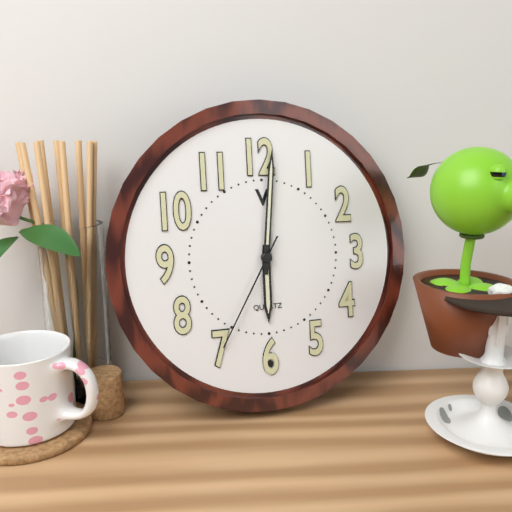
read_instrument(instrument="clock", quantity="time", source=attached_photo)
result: 6:01:35
